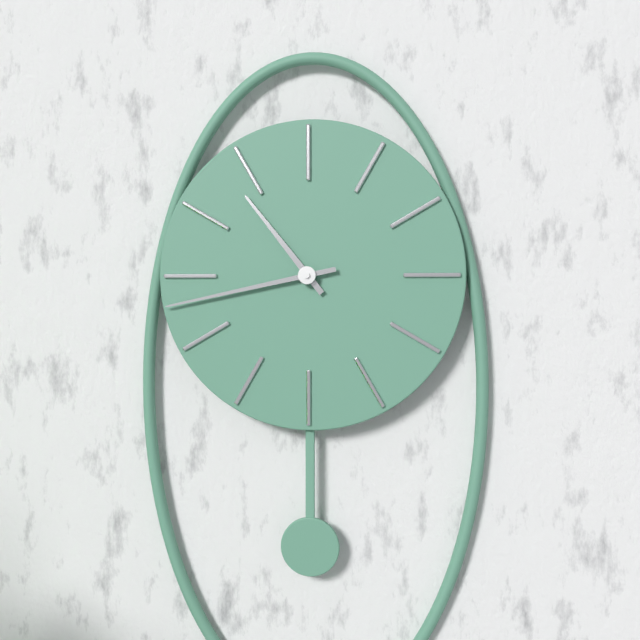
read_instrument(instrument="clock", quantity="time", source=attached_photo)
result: 10:43
